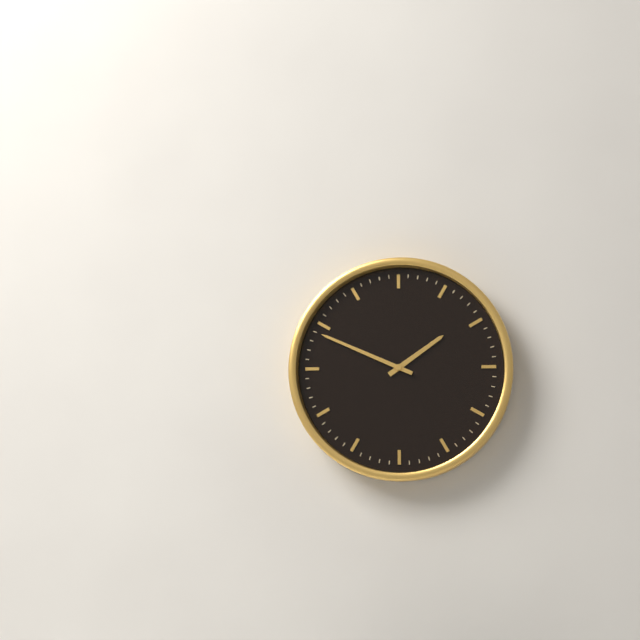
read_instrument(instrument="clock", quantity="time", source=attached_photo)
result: 1:49
